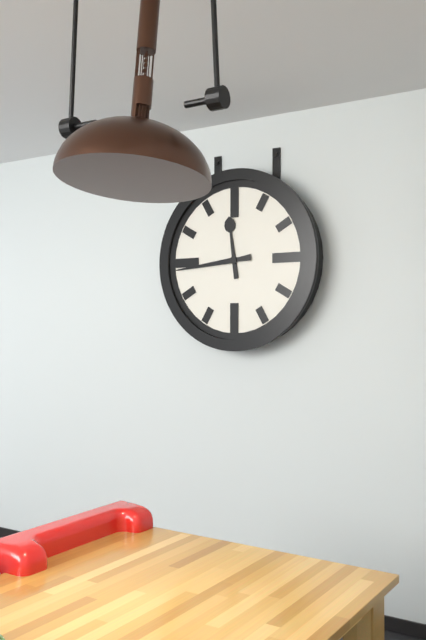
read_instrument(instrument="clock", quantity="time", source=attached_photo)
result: 11:44
